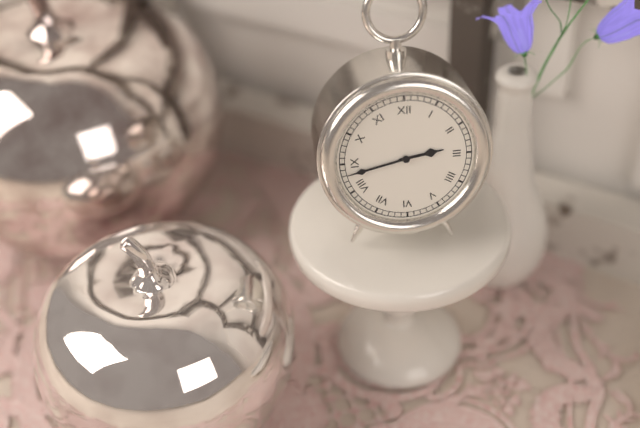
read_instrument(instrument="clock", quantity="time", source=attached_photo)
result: 2:43
